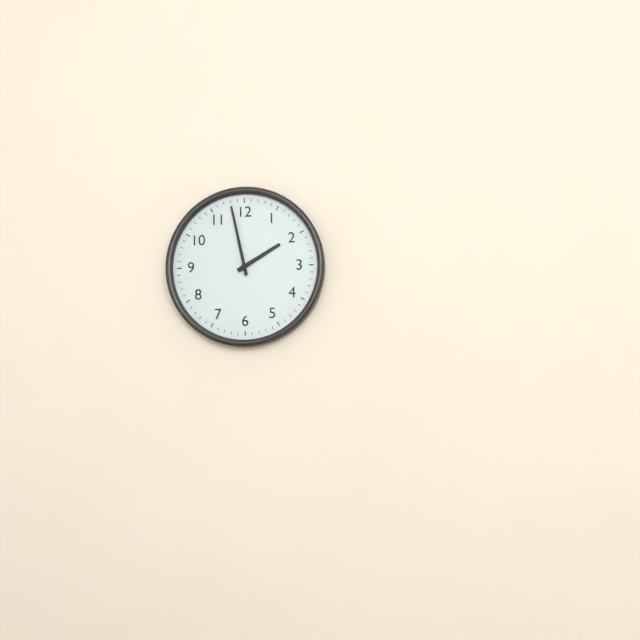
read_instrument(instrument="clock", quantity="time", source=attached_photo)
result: 1:58
